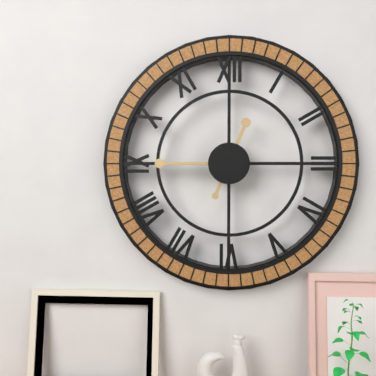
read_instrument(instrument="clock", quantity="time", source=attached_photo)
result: 12:45
